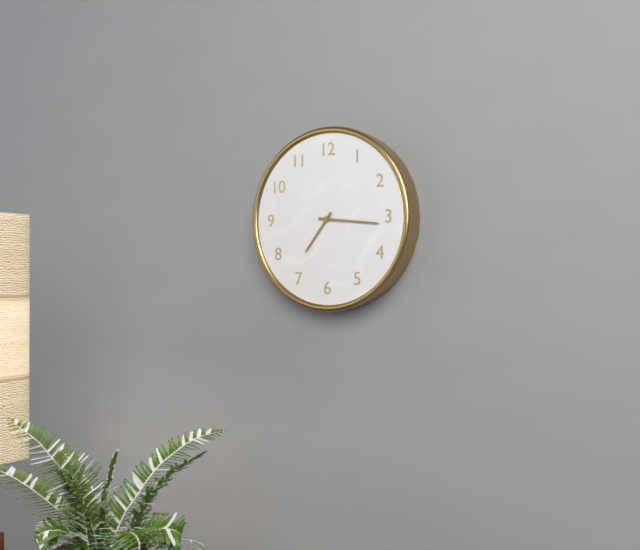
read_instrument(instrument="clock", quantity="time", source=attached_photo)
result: 7:16
